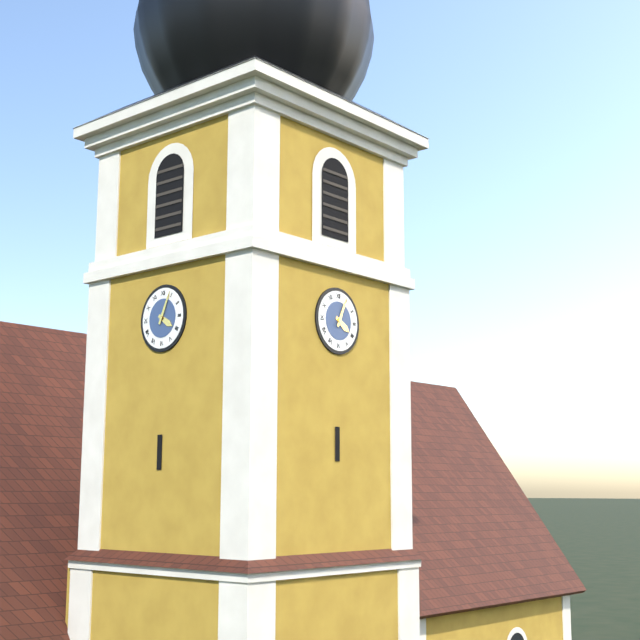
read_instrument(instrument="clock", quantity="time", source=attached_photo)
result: 4:04
